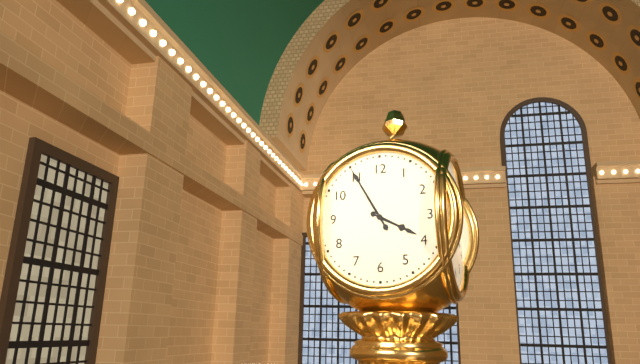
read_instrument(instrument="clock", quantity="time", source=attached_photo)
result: 3:55
